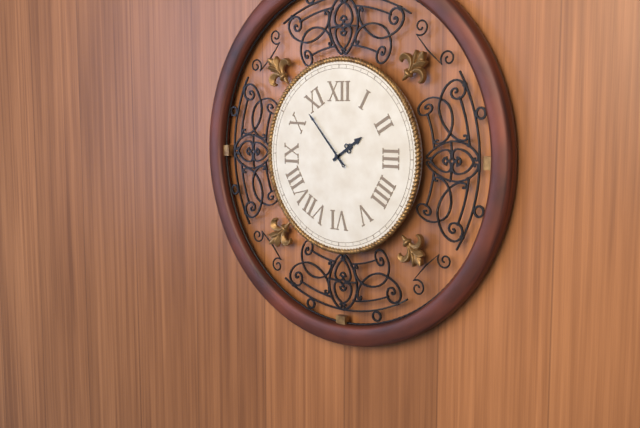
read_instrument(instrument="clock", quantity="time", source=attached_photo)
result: 1:53
